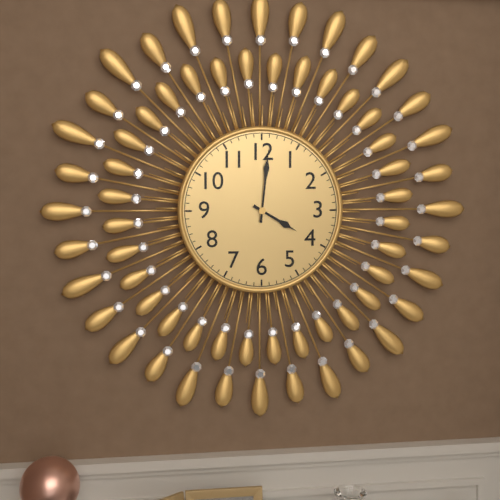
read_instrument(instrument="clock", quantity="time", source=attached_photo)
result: 4:01
